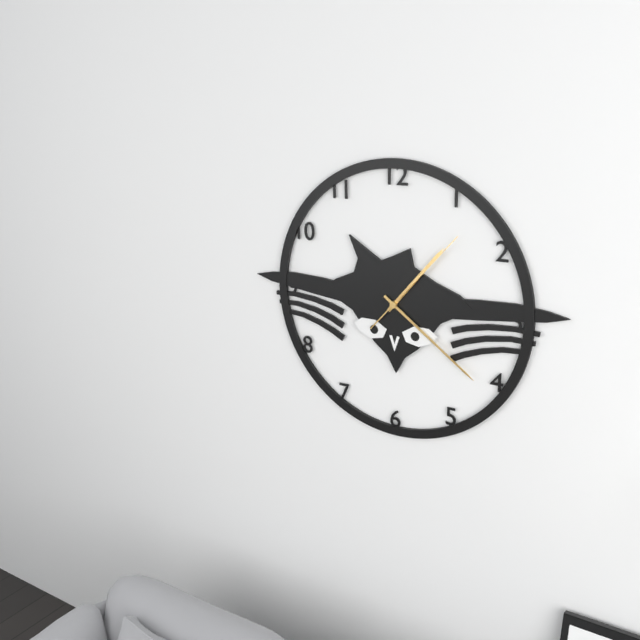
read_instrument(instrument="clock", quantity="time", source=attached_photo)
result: 1:21:07
